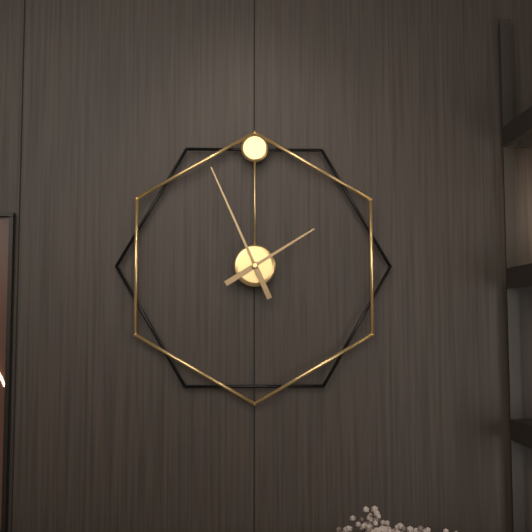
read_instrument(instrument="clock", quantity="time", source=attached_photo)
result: 1:56
